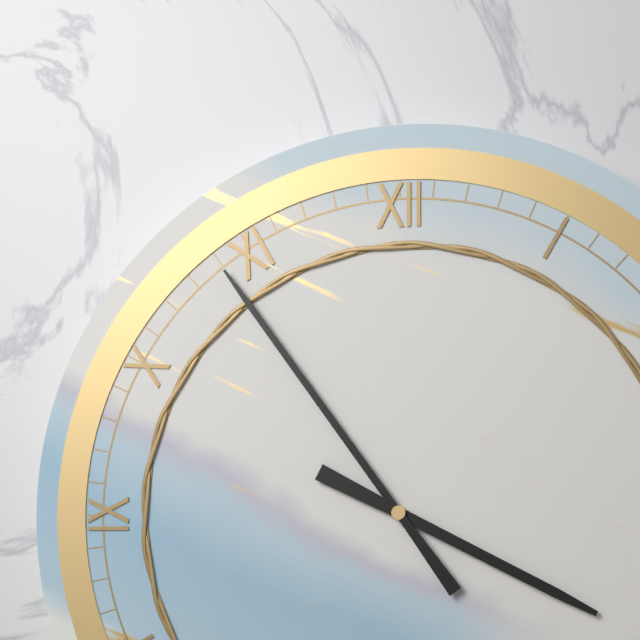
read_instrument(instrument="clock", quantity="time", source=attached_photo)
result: 3:54
